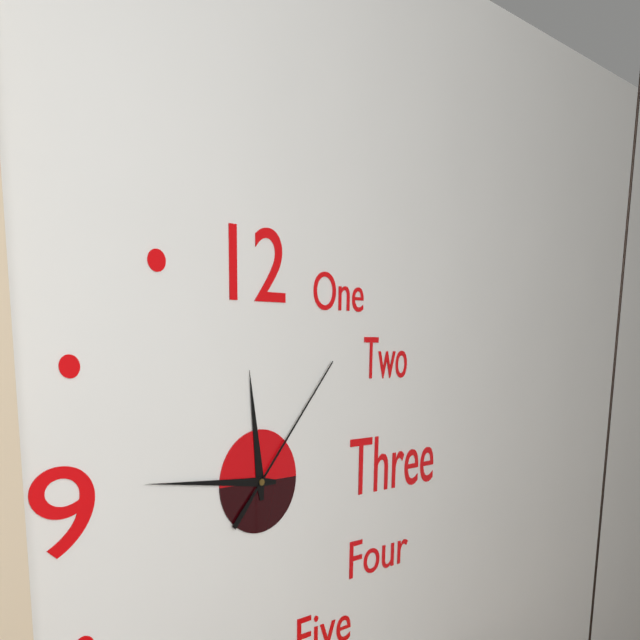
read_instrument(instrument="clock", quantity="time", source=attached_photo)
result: 11:46:07
